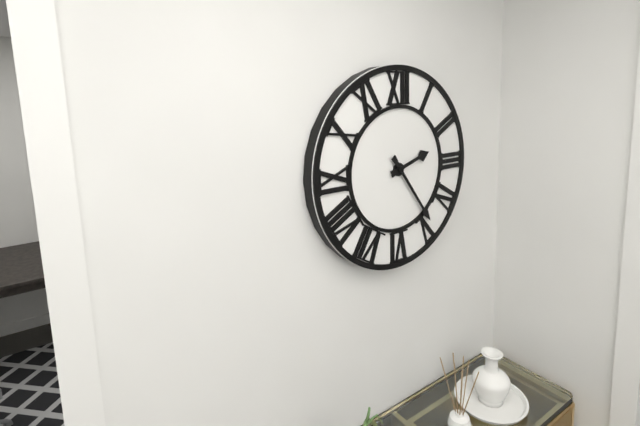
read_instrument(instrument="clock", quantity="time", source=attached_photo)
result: 2:24
